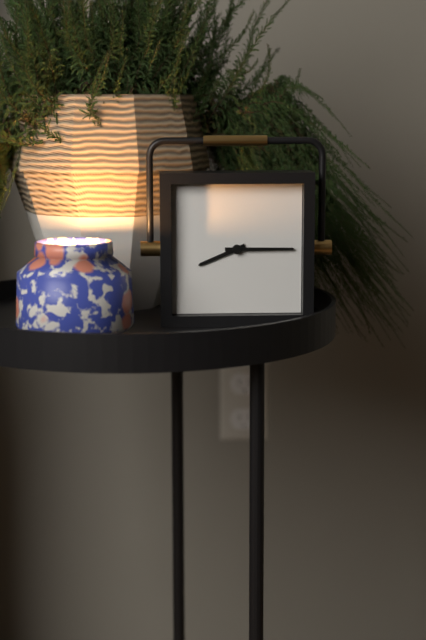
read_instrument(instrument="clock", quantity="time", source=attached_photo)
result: 8:15
